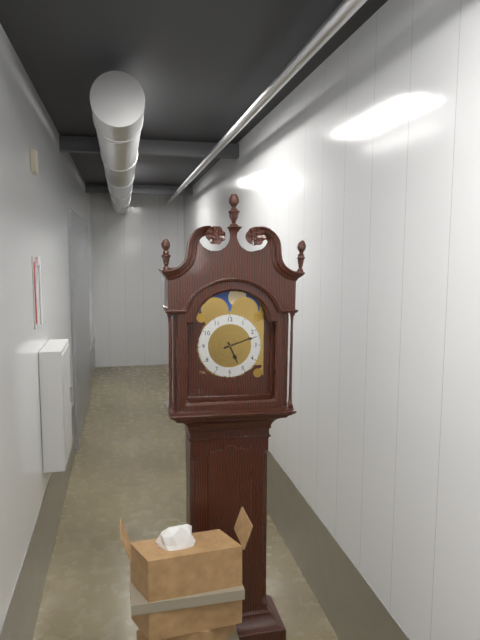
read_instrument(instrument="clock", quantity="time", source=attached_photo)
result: 5:12
